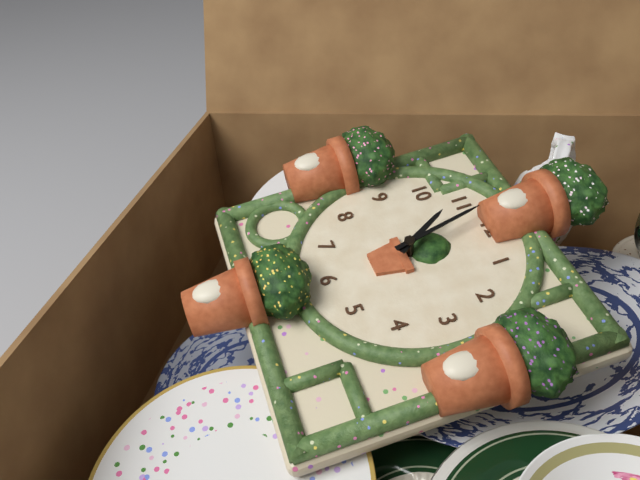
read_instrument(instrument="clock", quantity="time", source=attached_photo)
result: 10:58
